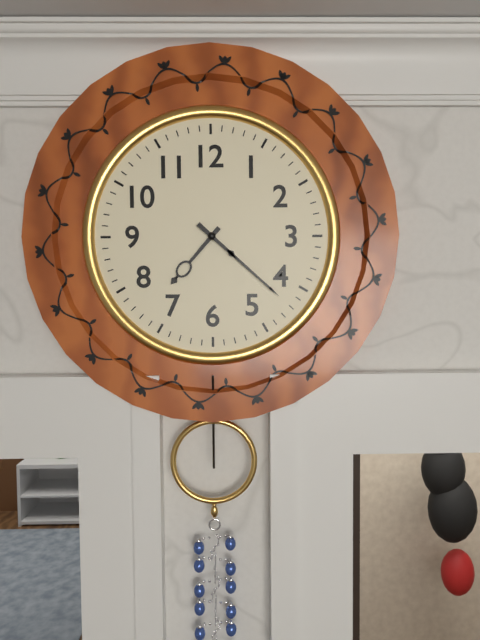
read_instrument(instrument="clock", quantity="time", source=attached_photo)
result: 7:22
